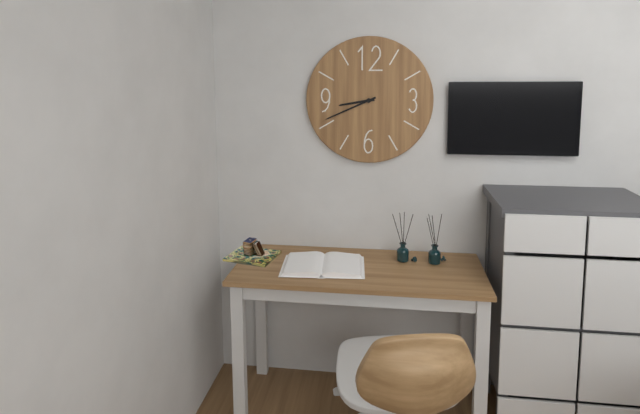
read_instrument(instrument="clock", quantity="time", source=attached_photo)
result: 8:41
